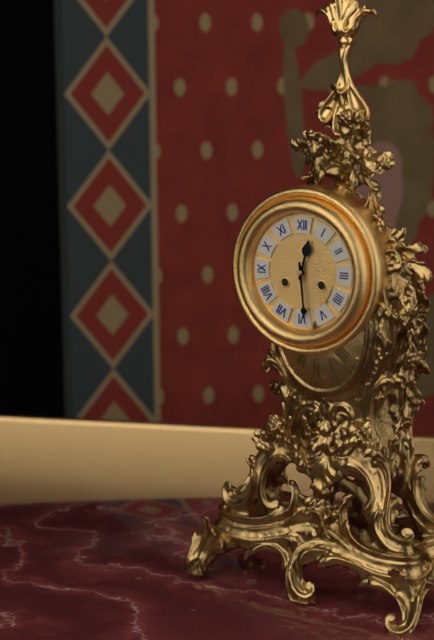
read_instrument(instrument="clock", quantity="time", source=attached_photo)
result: 12:29
